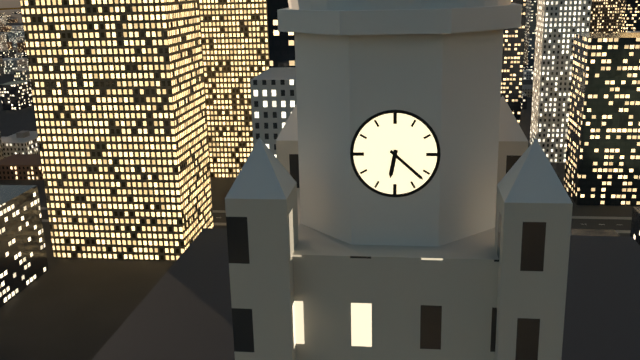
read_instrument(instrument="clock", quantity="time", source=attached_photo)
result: 6:22
